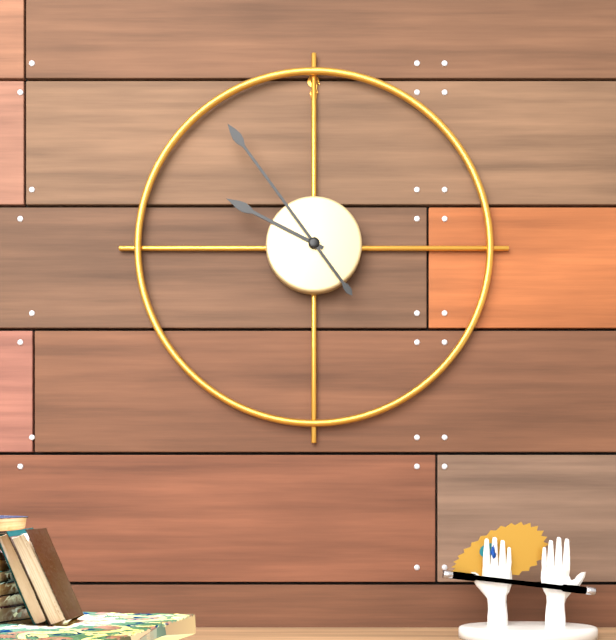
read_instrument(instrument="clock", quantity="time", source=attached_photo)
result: 9:54
